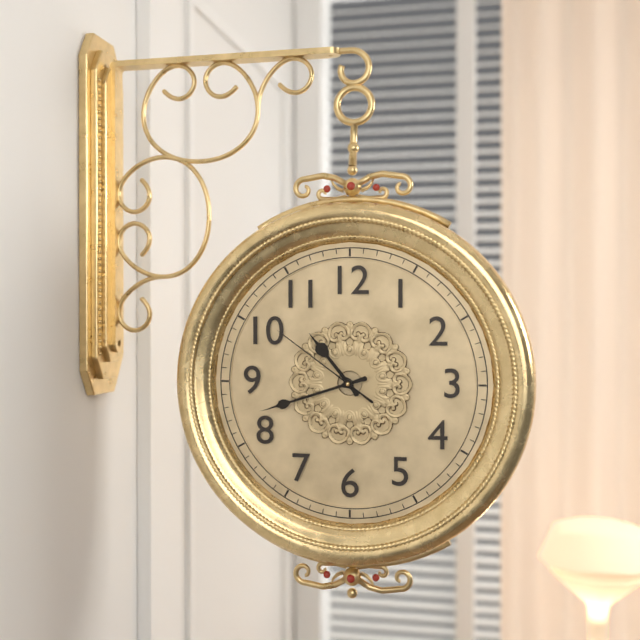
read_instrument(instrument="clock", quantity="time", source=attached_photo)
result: 10:42:51
